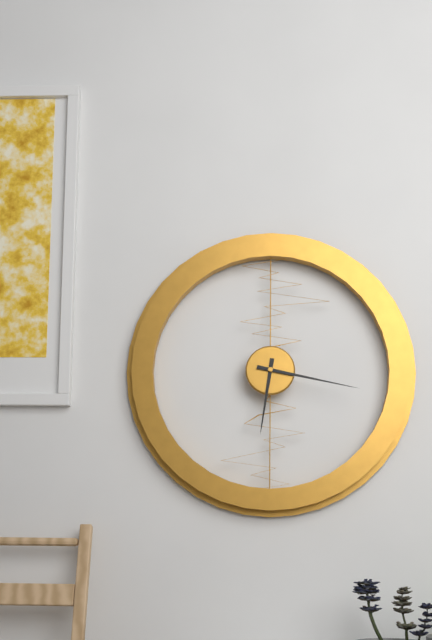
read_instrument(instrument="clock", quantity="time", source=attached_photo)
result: 6:17
